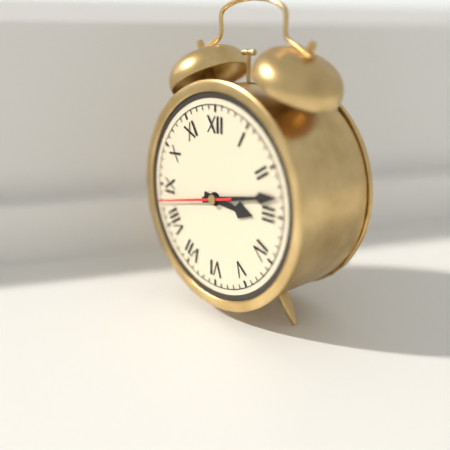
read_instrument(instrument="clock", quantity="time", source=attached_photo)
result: 3:13:43
